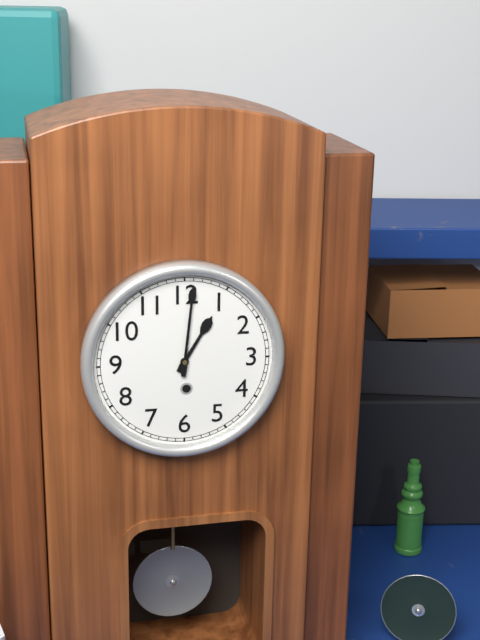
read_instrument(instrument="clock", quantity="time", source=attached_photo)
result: 1:01
